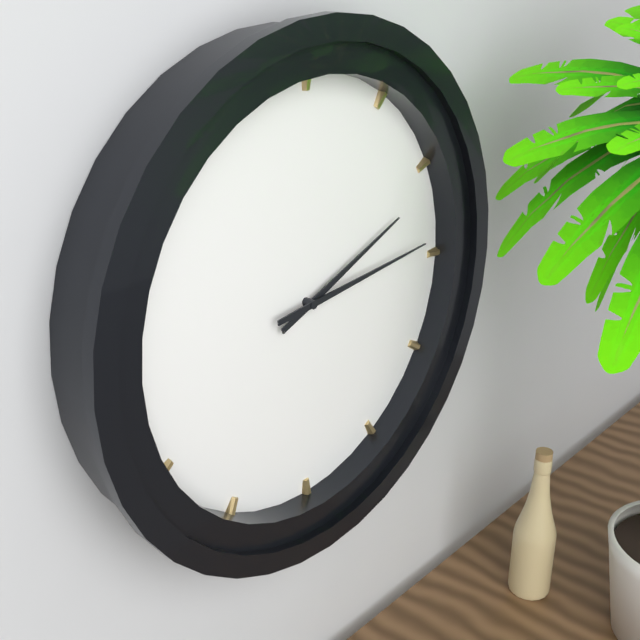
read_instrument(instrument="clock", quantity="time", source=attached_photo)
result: 2:14
